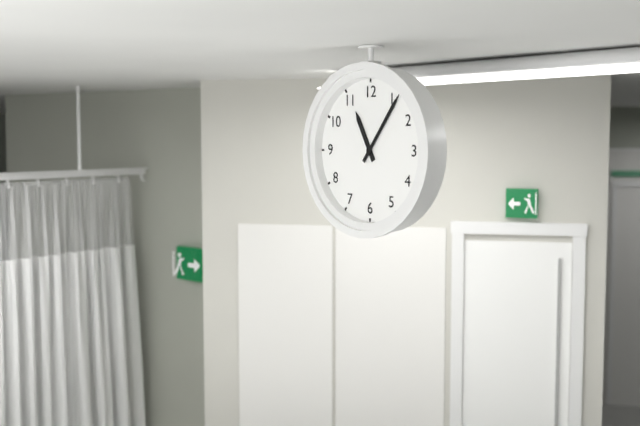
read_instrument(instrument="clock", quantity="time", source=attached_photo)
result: 11:06
